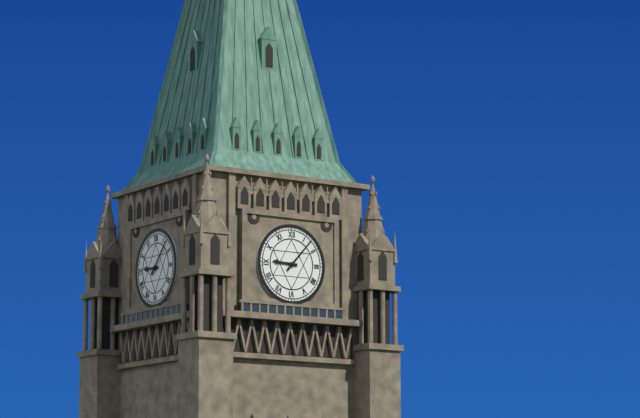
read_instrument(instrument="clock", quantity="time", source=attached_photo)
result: 9:07
